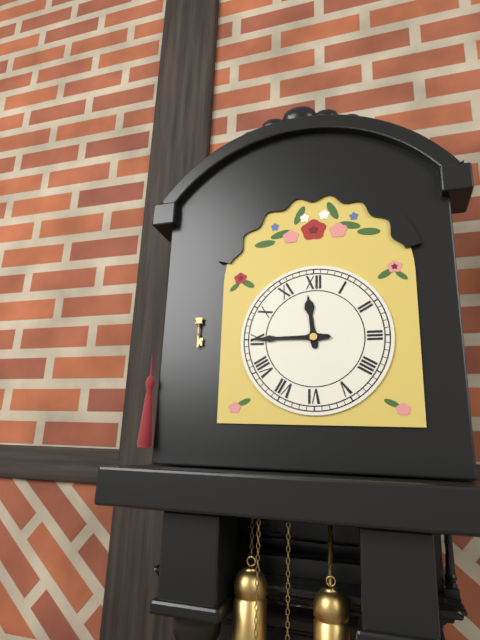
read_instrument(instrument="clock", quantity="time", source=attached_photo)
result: 11:45
